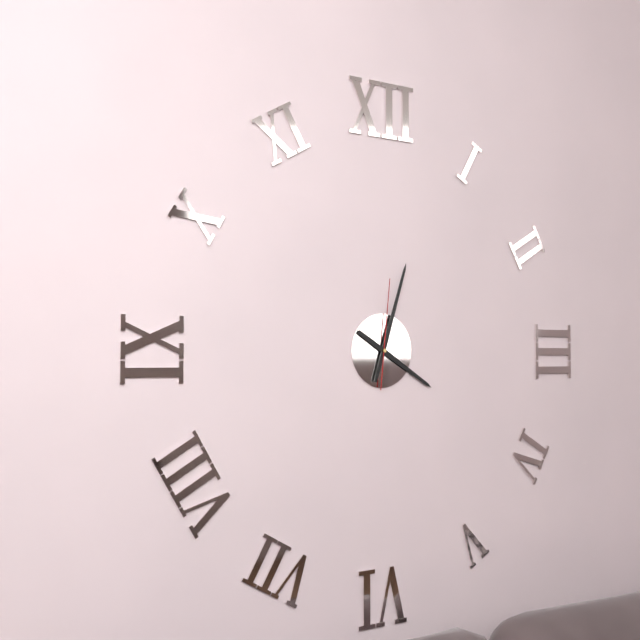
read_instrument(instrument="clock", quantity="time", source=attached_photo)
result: 4:03:01
